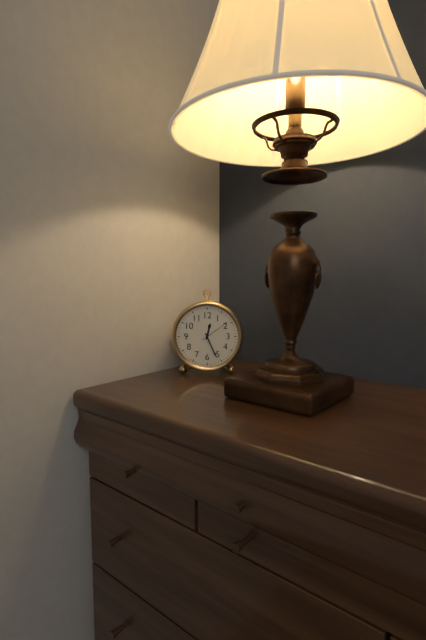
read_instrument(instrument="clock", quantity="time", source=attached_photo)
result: 12:26
